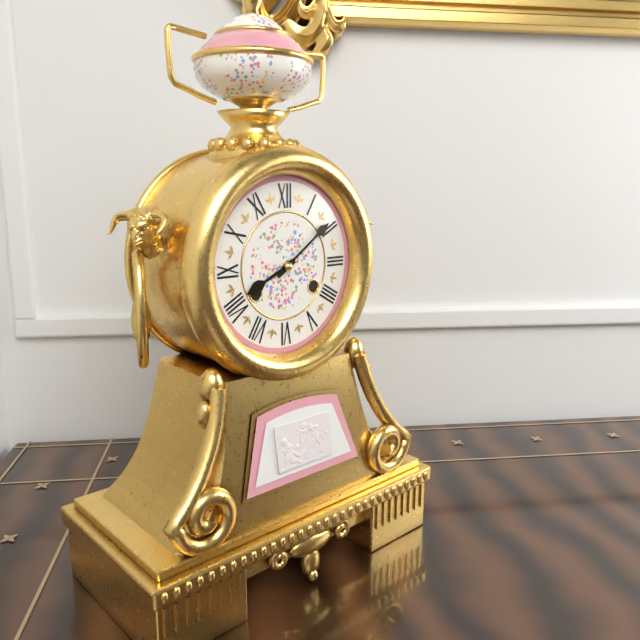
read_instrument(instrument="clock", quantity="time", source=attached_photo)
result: 8:09
